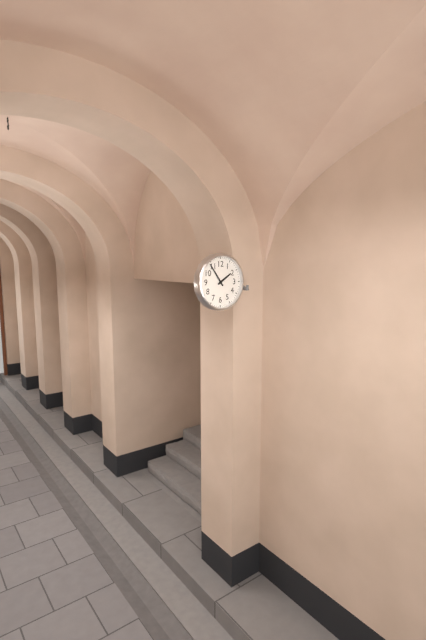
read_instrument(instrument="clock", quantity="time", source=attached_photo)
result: 1:54
